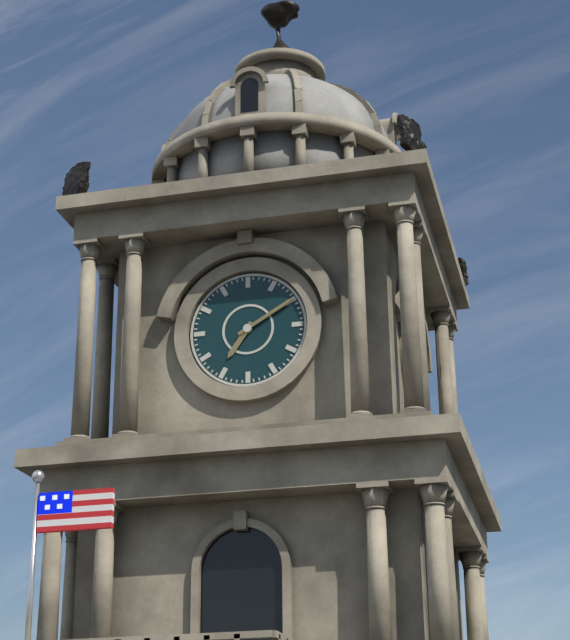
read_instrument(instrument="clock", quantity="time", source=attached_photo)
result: 7:10
